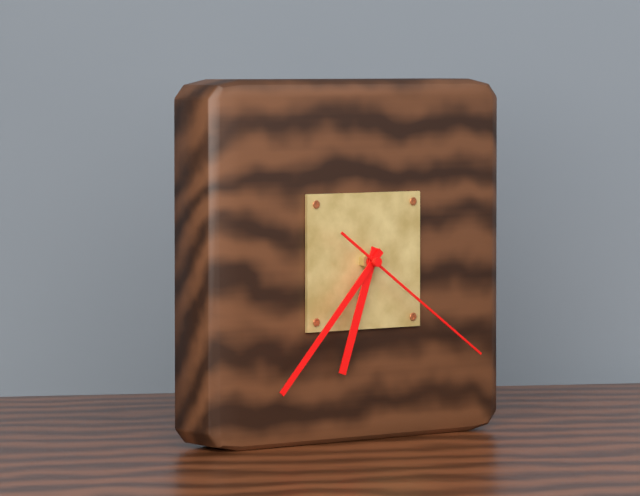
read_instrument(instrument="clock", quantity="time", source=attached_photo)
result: 6:37:21
